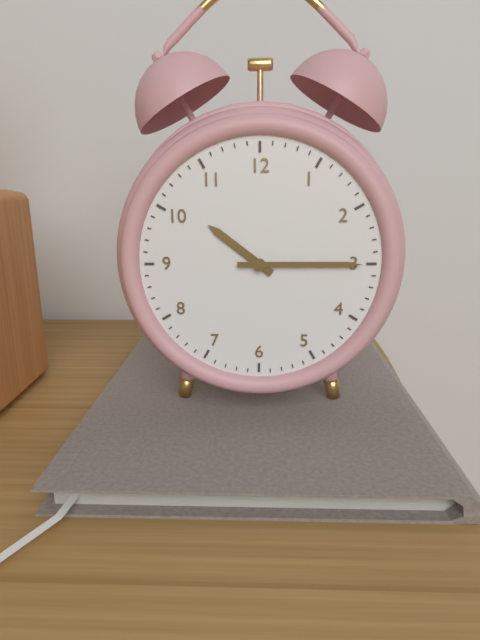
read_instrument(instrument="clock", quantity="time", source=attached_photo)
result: 10:15
